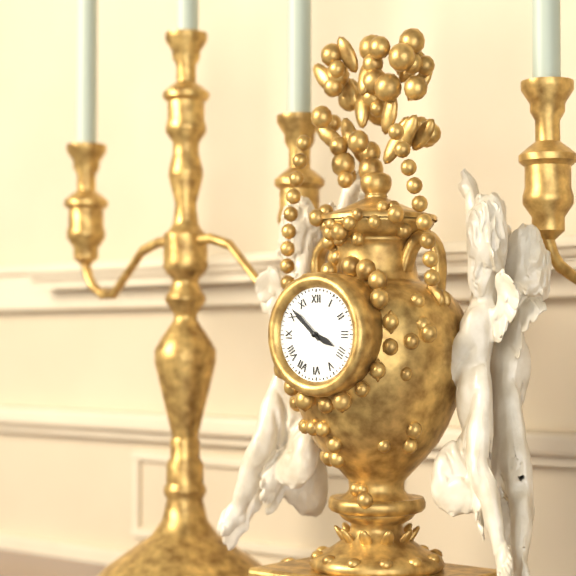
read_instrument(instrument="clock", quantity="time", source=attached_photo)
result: 3:52
